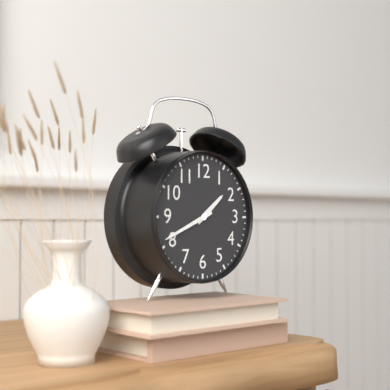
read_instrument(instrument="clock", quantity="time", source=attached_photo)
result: 1:41
